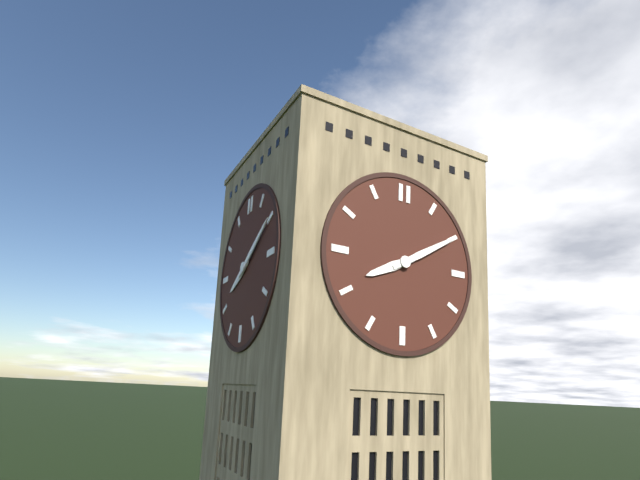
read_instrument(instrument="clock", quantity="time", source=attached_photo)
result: 8:10
